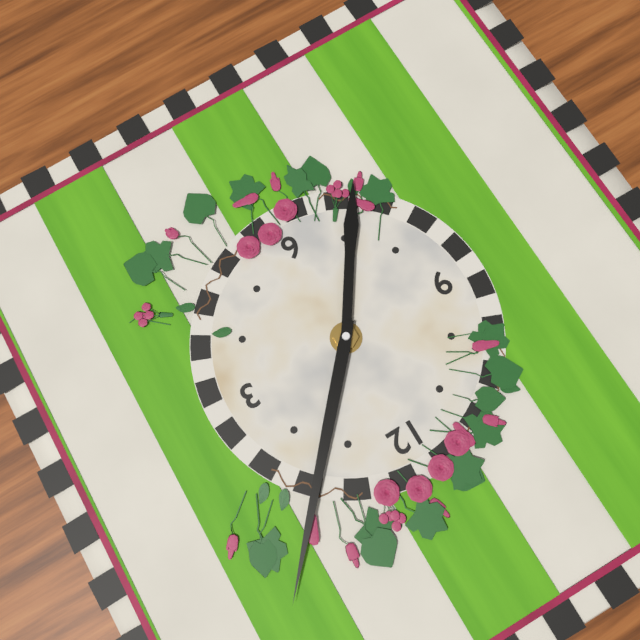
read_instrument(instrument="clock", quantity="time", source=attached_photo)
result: 7:07
